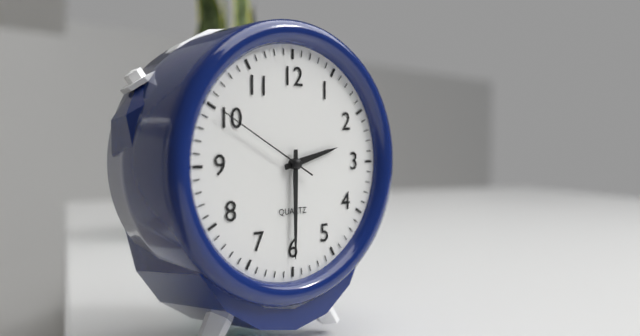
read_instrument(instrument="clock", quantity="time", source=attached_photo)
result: 2:30:50
